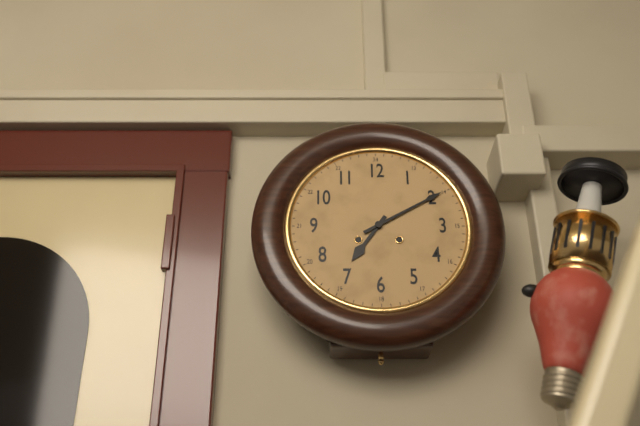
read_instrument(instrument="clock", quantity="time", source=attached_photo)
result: 7:10
